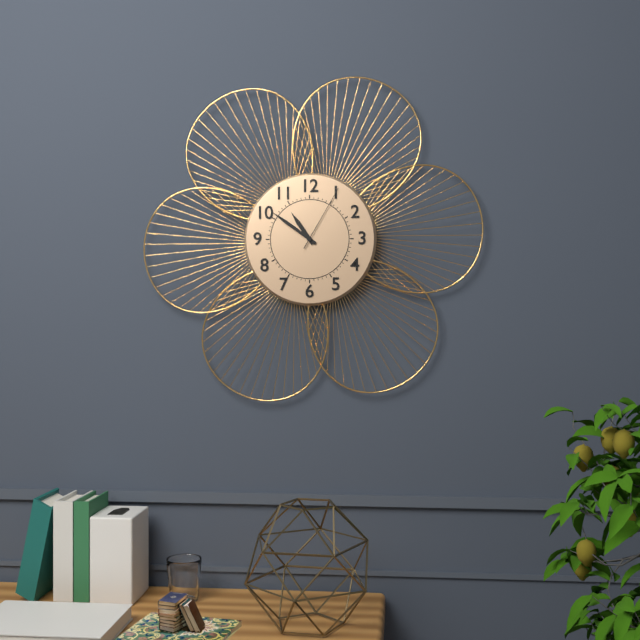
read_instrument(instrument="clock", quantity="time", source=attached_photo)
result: 10:51:05
